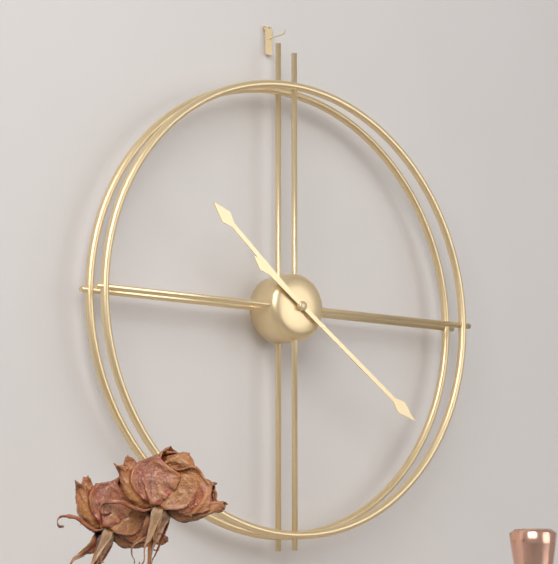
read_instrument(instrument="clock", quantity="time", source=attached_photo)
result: 10:21
